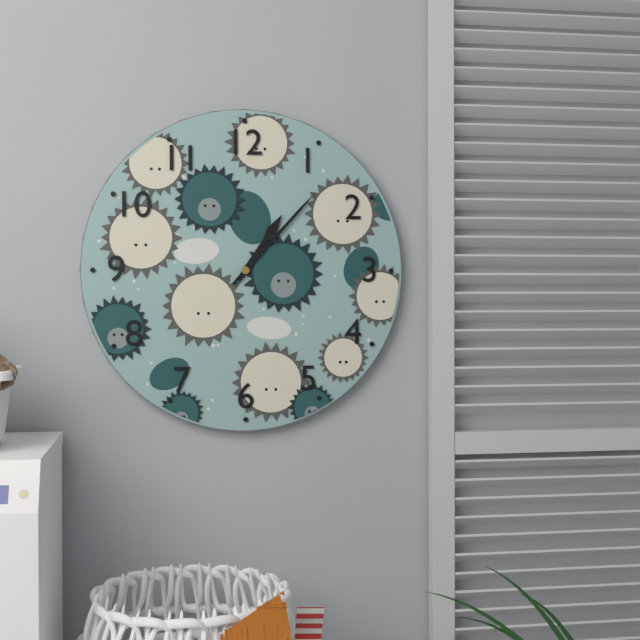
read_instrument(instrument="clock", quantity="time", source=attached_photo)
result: 1:07
